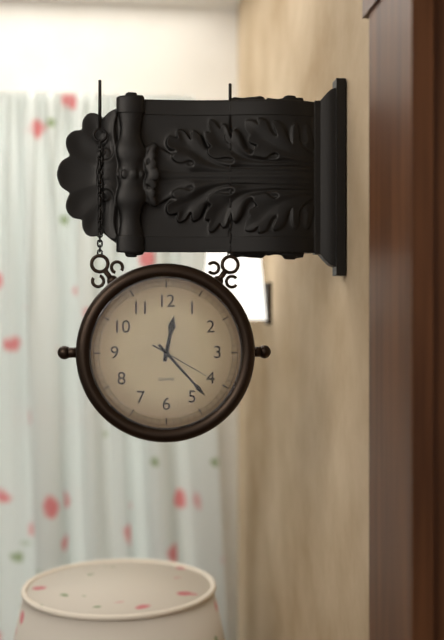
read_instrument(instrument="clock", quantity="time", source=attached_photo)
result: 12:23:20
